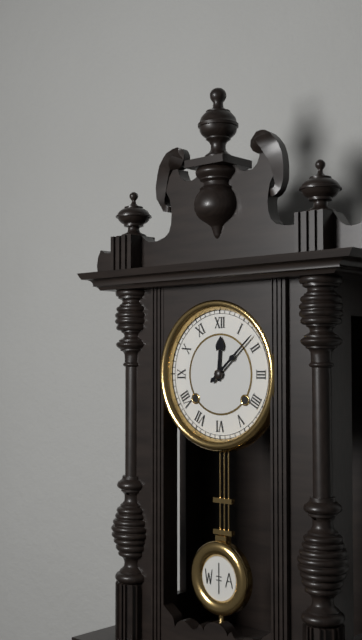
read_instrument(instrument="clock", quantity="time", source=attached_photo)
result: 12:08
